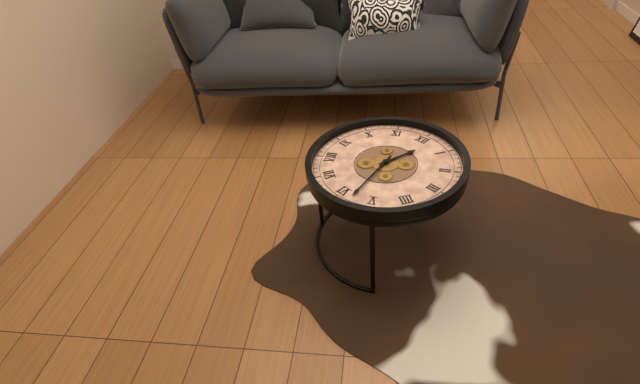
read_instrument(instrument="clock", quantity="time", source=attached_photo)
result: 12:28
